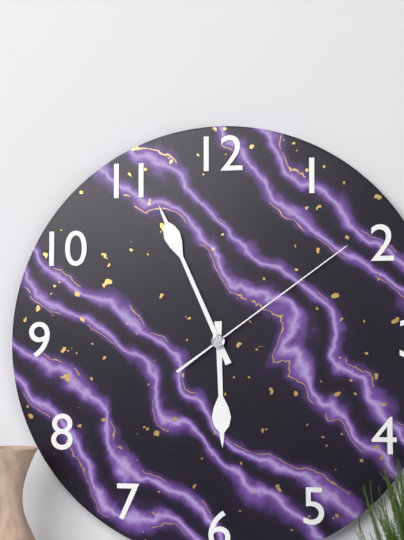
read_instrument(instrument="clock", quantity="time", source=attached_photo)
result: 5:56:09
